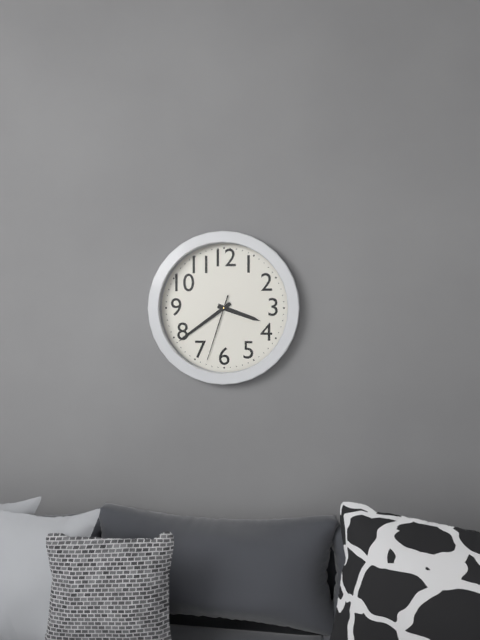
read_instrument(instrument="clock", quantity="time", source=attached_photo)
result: 3:39:33
